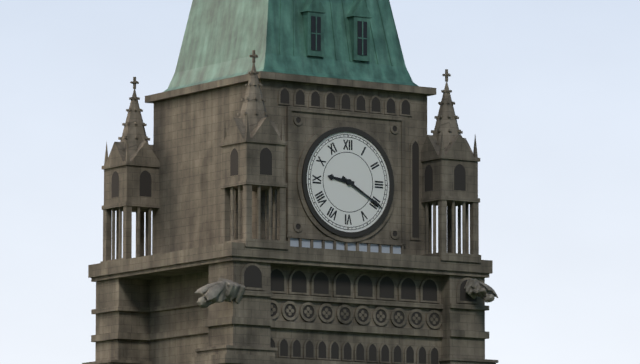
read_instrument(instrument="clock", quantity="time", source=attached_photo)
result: 9:20
